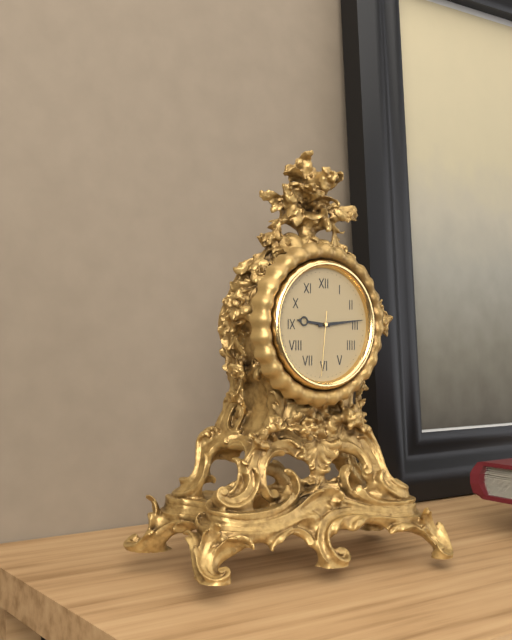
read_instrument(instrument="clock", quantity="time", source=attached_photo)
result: 9:14:31
